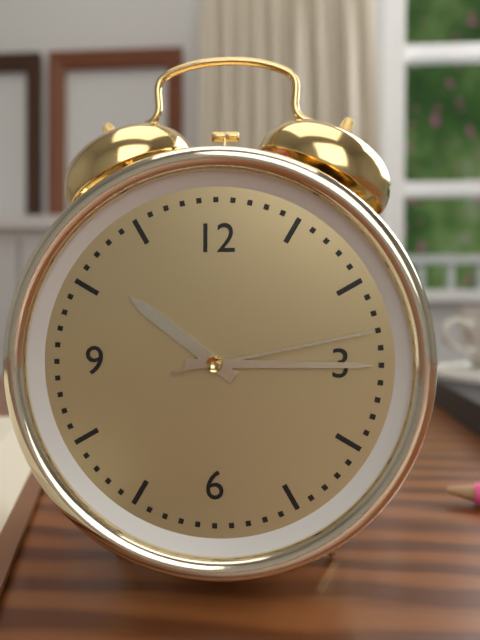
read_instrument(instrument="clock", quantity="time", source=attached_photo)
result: 10:15:13
